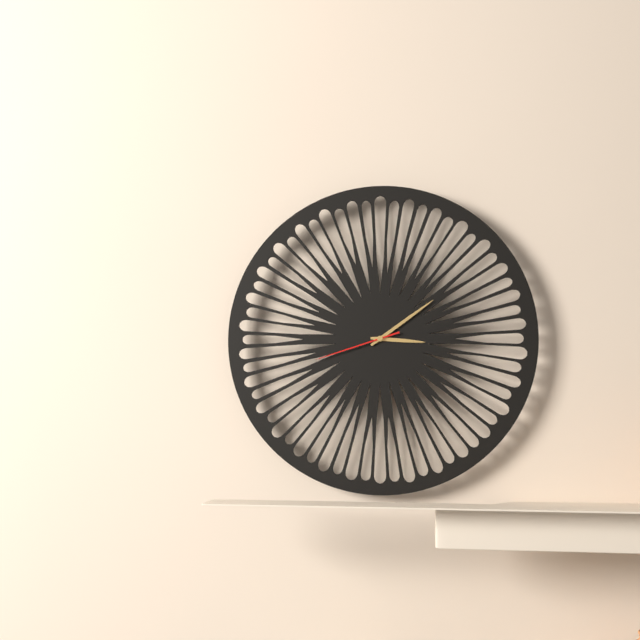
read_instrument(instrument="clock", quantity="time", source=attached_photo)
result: 3:09:42
